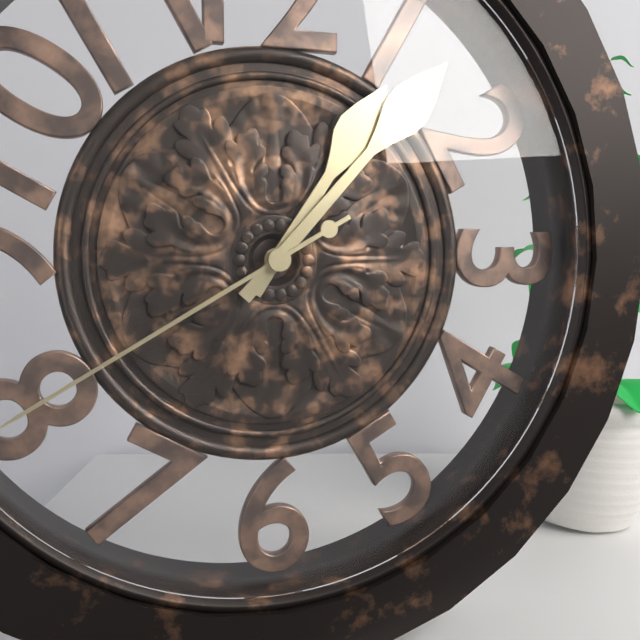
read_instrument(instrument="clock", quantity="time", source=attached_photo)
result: 1:07
